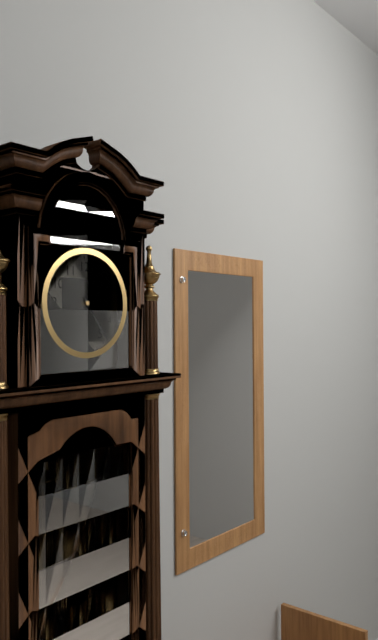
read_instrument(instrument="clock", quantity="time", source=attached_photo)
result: 2:24
